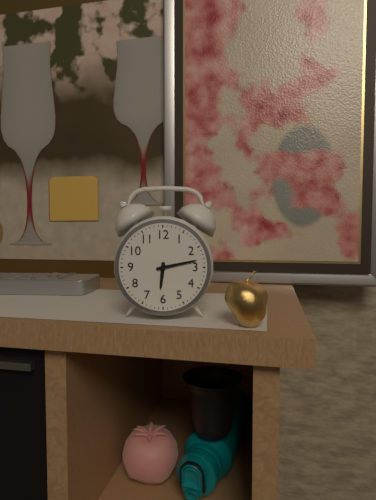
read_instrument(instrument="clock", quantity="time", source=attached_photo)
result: 6:13
